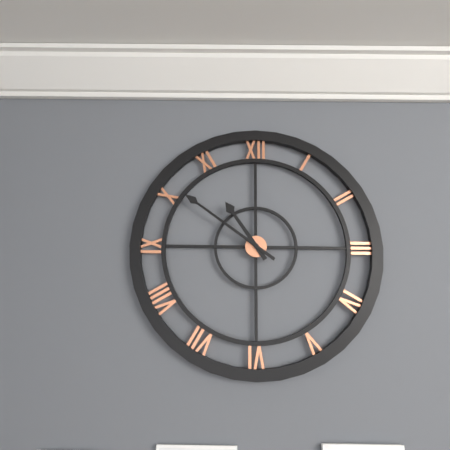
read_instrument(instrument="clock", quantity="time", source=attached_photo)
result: 10:51
